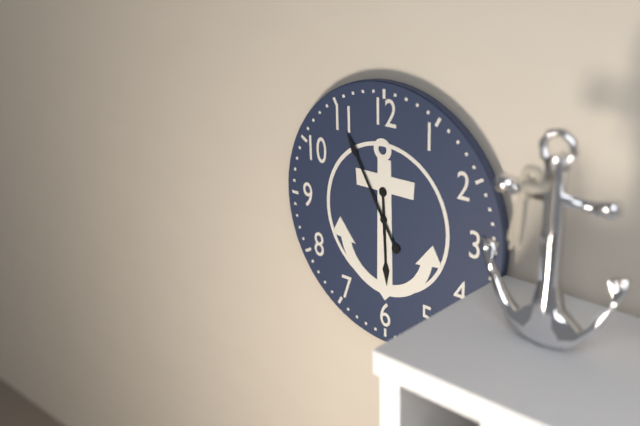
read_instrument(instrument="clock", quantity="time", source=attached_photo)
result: 5:55
